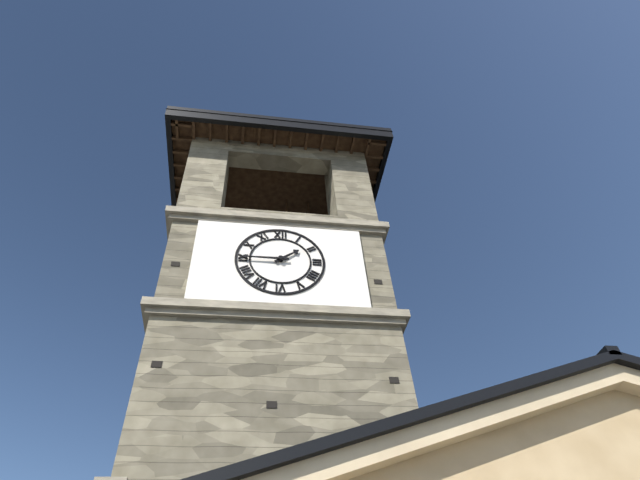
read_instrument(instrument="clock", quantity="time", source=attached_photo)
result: 1:45
